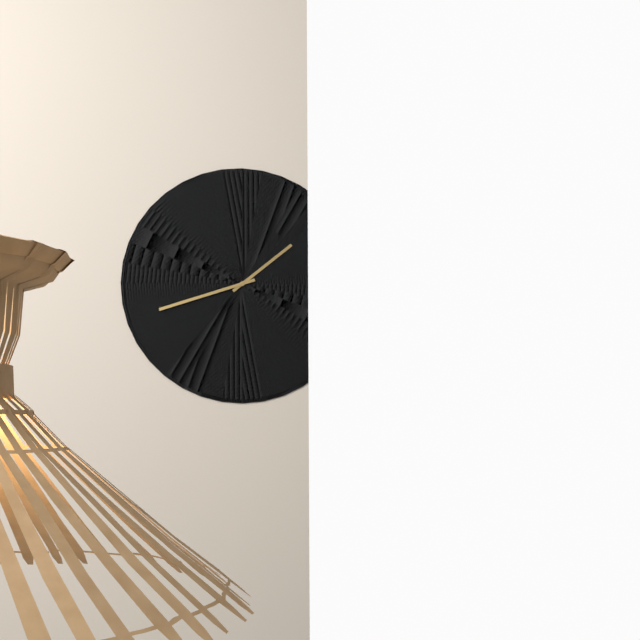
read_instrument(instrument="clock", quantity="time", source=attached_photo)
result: 1:42
